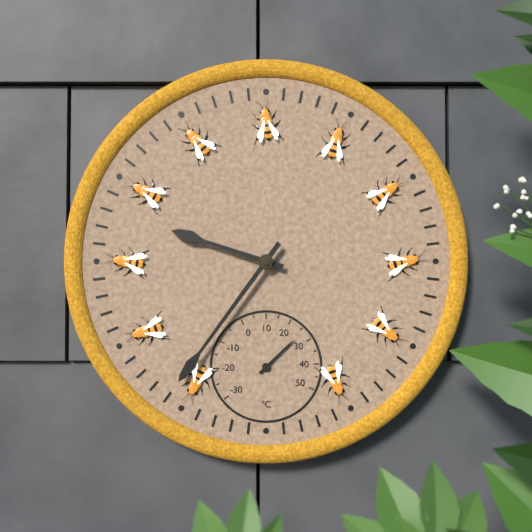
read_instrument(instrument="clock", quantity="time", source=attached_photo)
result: 9:36
